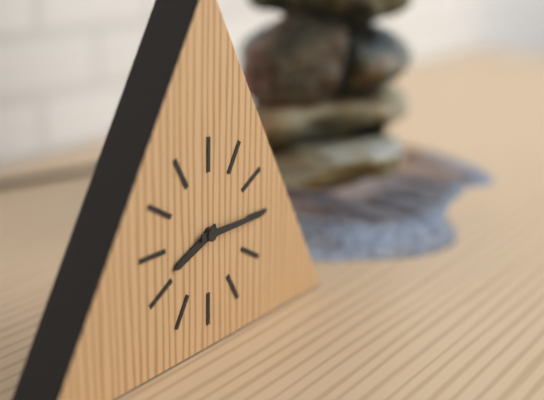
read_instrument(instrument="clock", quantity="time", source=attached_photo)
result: 8:15
